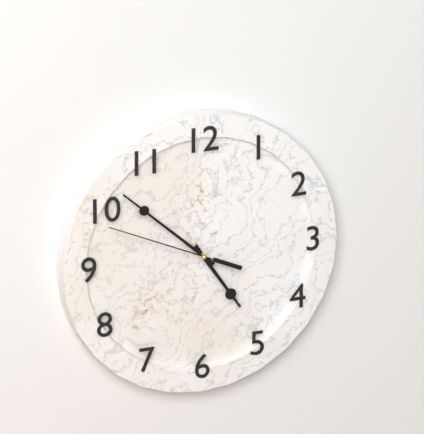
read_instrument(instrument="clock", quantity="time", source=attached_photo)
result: 4:52:49
